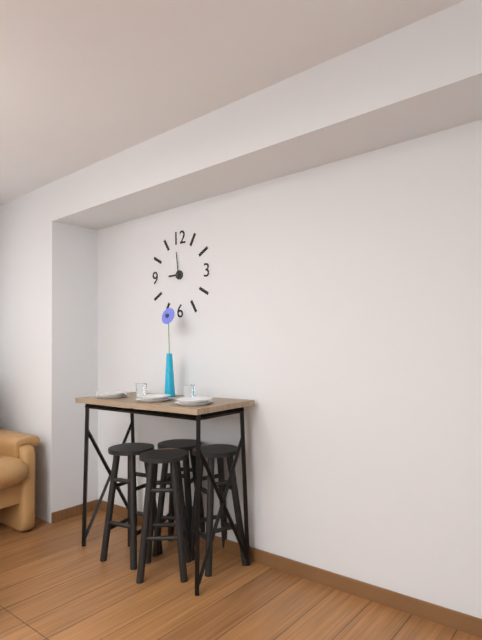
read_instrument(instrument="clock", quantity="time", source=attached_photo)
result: 8:59
